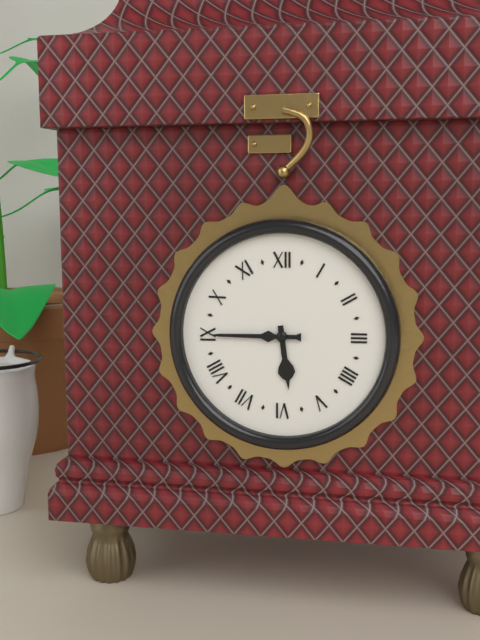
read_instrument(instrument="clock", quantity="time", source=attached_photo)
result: 5:45
